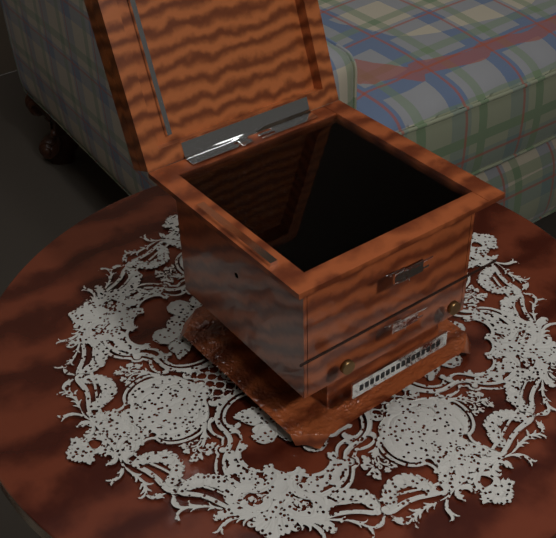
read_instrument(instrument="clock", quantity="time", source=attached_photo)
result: 11:15
